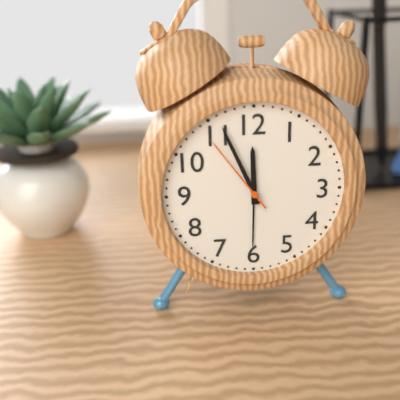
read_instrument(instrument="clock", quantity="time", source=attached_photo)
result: 11:56:54
